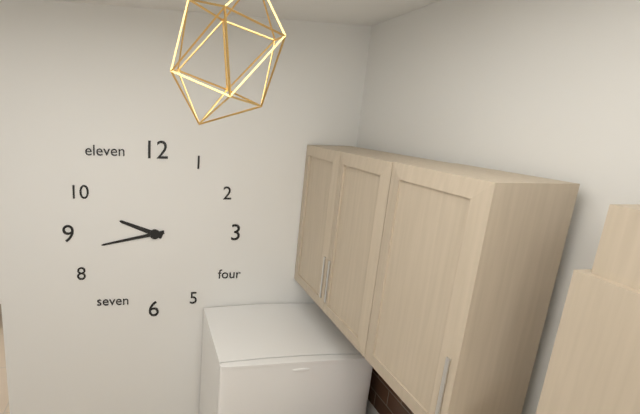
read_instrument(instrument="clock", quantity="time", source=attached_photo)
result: 9:43
